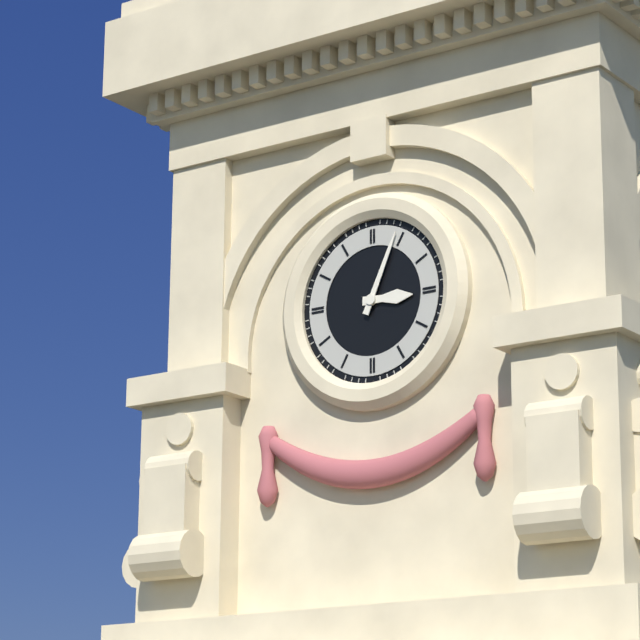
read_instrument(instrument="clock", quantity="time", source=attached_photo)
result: 3:04
